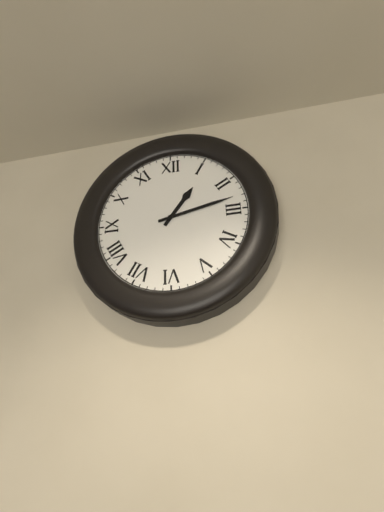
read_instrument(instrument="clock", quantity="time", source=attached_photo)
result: 1:13
